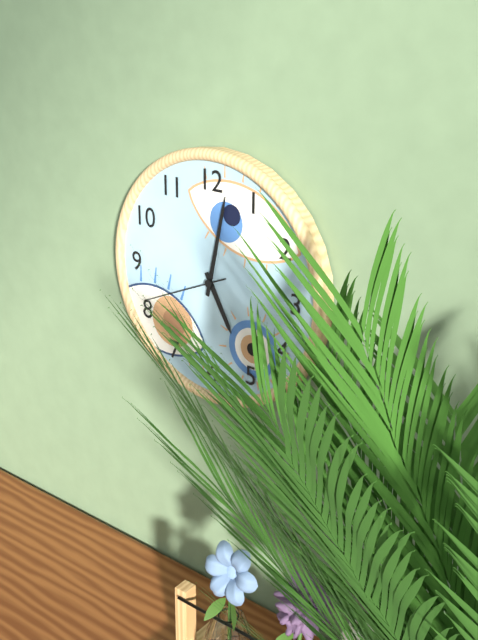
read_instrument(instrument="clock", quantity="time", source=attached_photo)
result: 5:02:41
